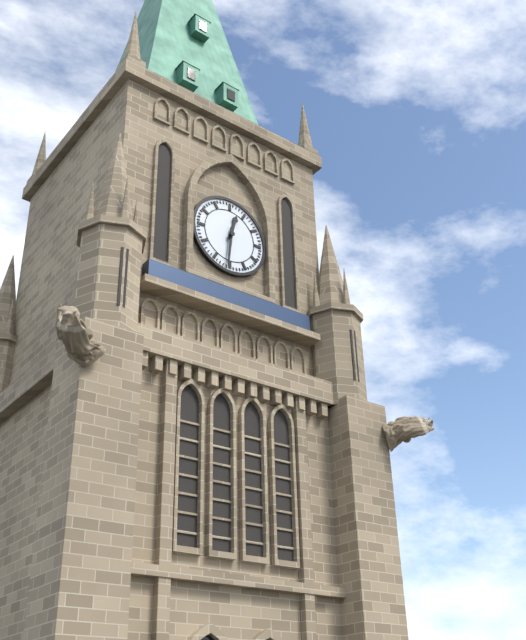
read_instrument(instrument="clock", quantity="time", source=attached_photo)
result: 12:31
